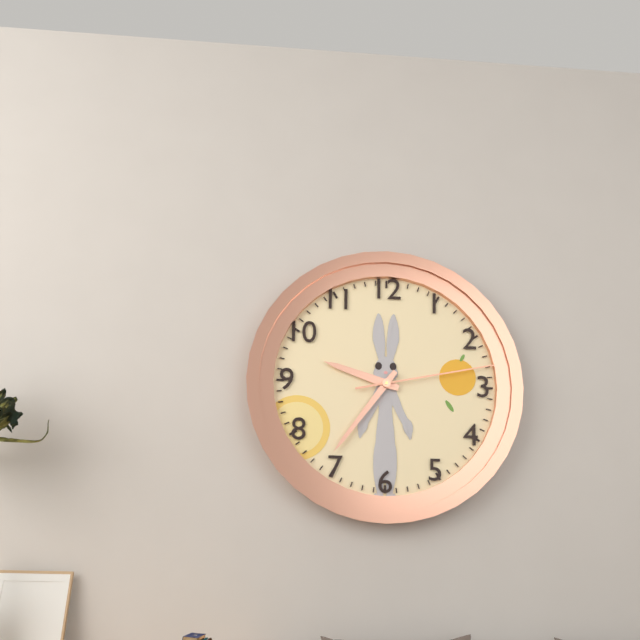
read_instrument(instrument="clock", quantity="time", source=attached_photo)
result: 9:36:13
